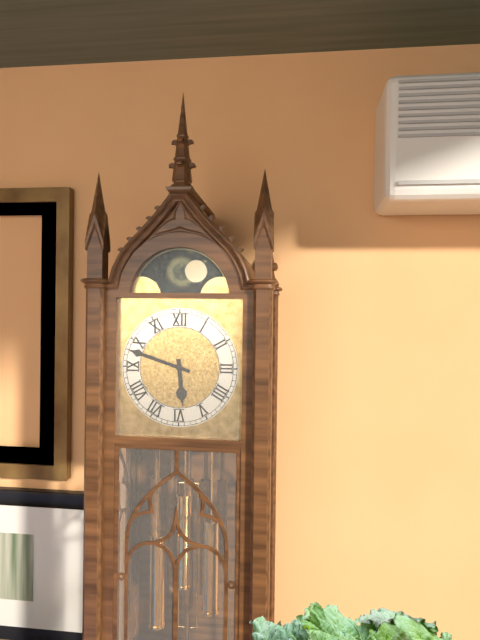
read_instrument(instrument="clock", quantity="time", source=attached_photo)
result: 5:48
